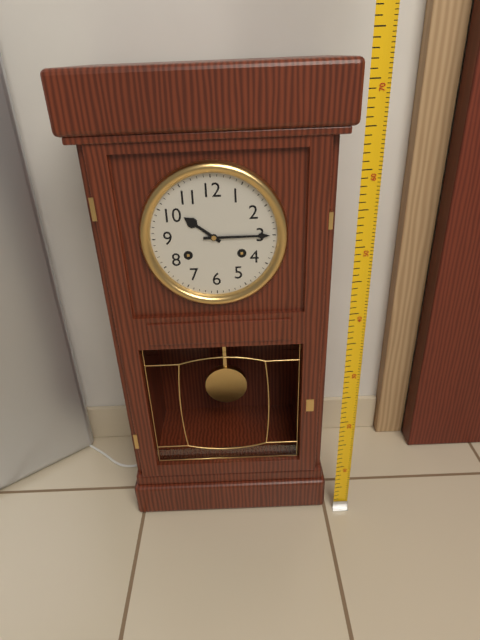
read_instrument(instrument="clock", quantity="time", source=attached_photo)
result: 10:15
